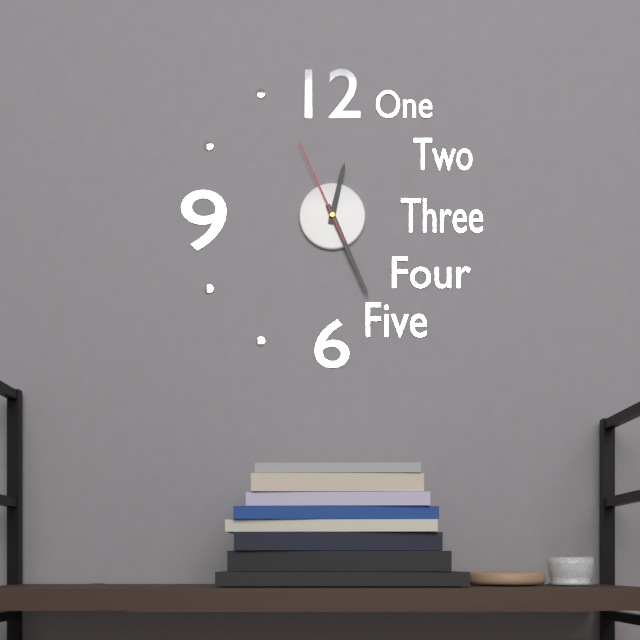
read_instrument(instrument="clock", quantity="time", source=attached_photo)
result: 12:26:56
